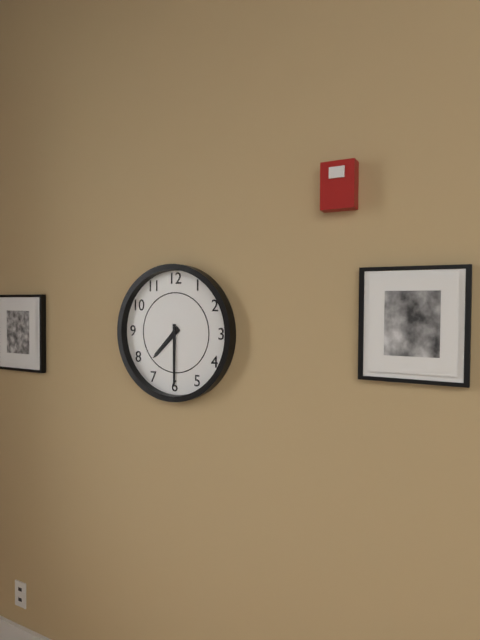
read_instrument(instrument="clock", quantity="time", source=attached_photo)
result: 7:30
